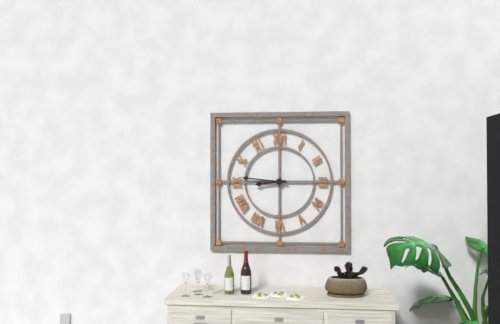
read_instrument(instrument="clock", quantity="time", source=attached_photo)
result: 8:46
